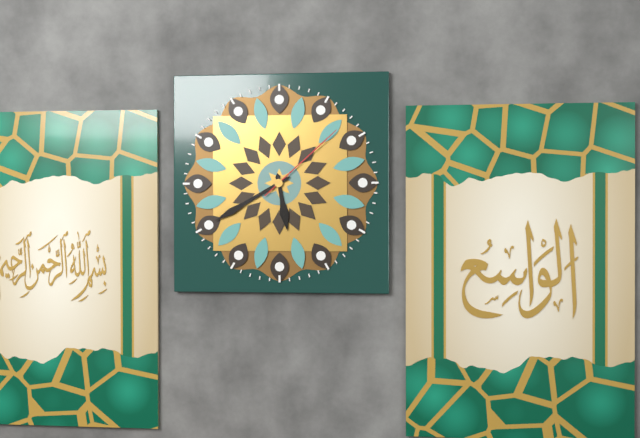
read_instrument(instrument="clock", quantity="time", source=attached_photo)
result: 5:40:08
